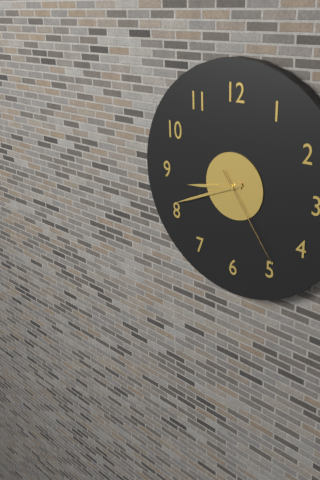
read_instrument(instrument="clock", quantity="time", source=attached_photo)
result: 8:41:24
